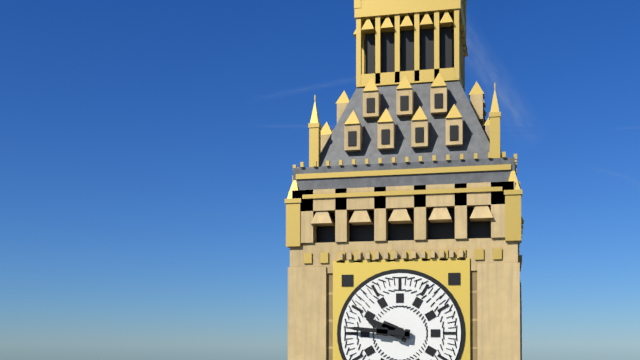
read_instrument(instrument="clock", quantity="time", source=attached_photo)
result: 9:46
